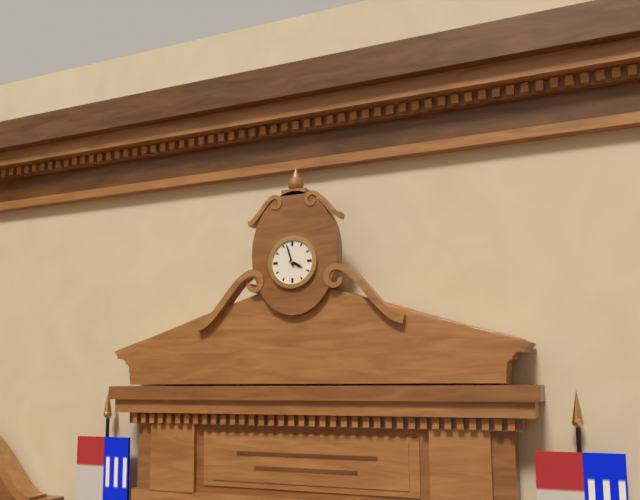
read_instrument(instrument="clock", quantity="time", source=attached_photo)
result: 3:57
